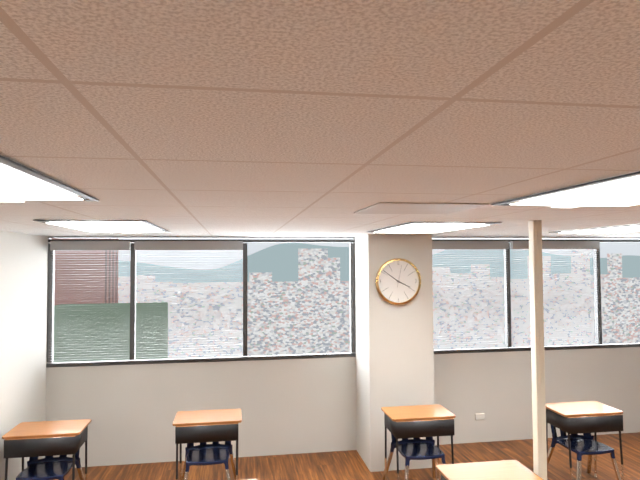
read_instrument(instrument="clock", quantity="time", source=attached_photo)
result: 3:51
